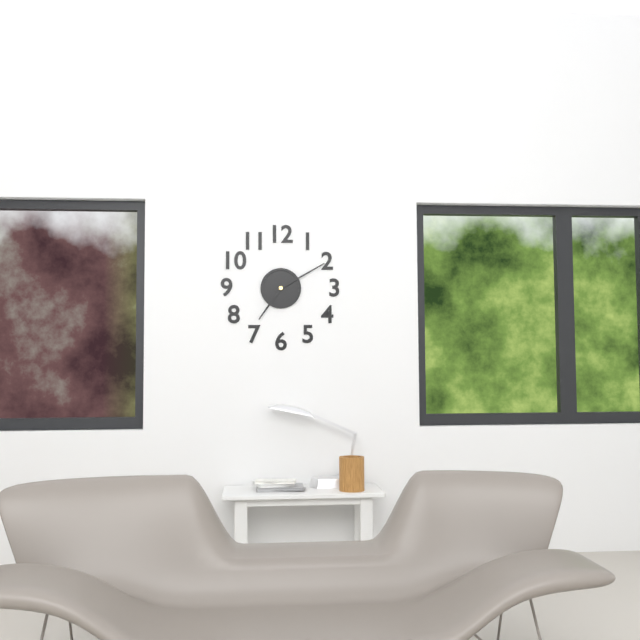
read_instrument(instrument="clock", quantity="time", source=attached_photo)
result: 7:10
